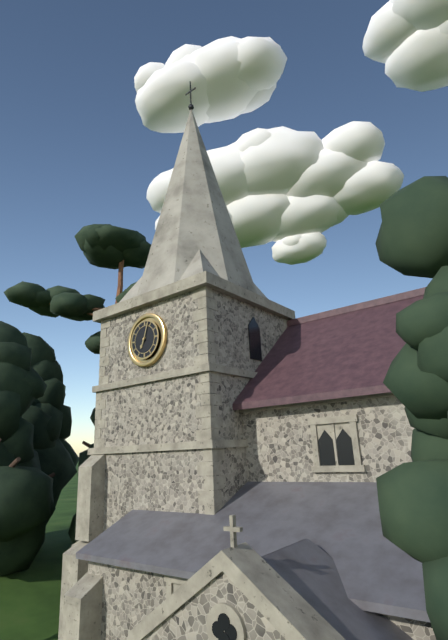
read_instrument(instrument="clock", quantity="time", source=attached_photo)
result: 7:03
